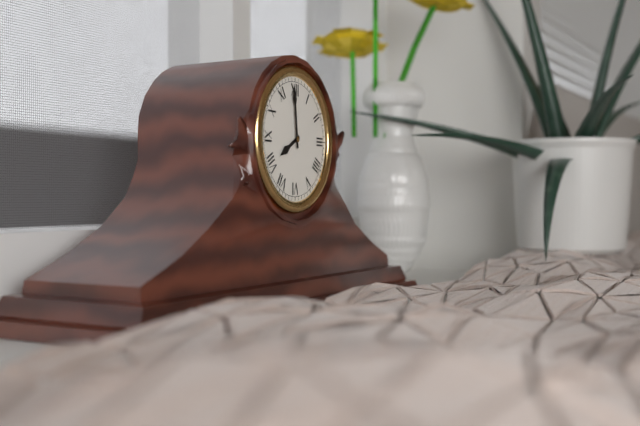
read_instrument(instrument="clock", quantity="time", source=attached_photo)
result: 7:59
